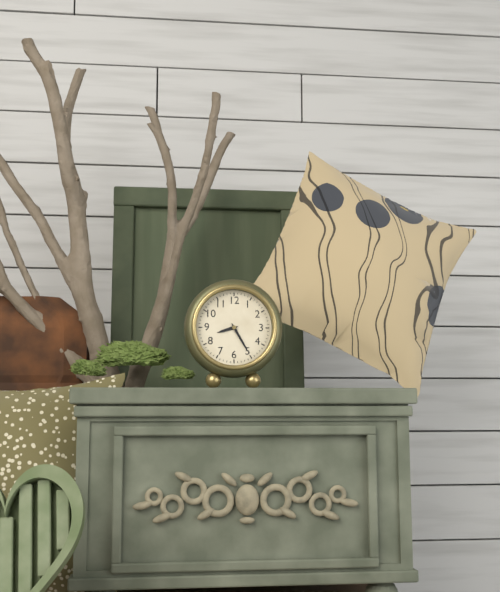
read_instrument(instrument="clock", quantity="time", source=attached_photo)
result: 8:25
